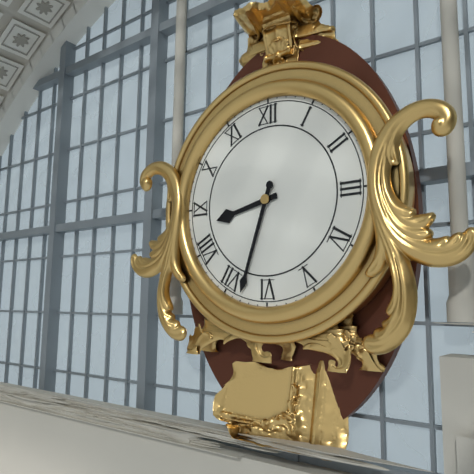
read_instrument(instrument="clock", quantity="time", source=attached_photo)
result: 8:33
